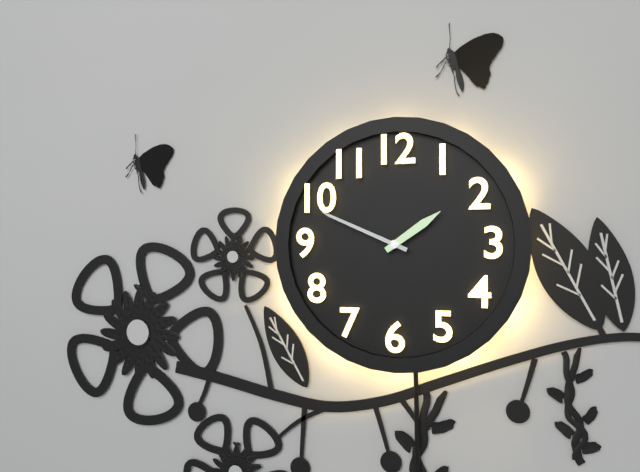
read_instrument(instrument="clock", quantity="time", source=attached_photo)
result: 1:49
